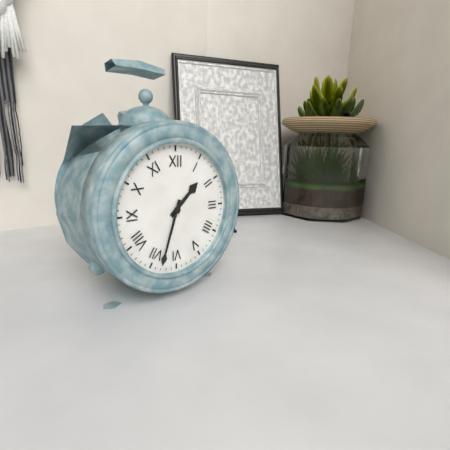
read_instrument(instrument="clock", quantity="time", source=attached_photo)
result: 1:33
